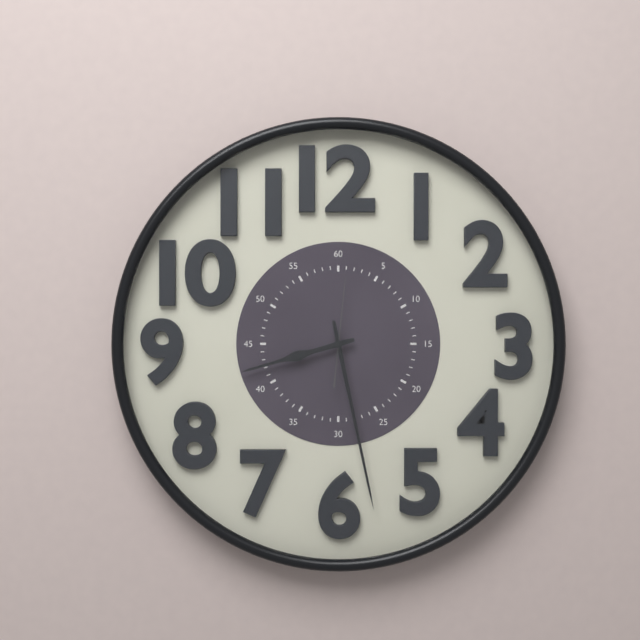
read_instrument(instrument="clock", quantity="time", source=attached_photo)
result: 8:28:01
